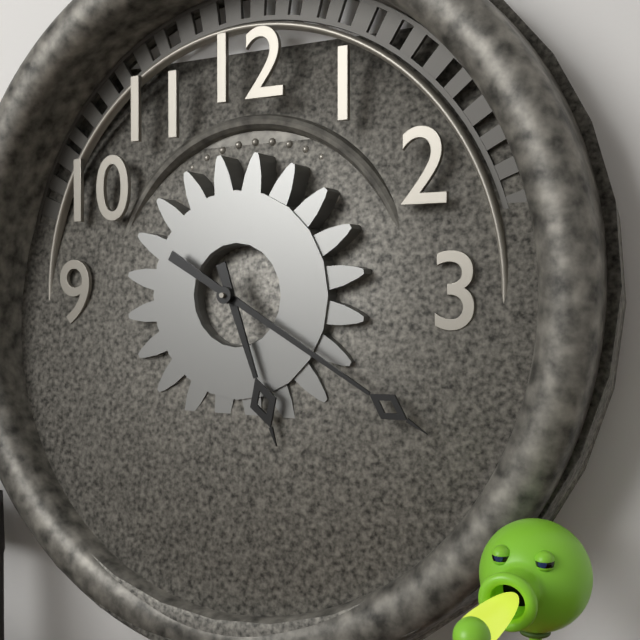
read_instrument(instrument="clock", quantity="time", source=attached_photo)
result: 5:20
